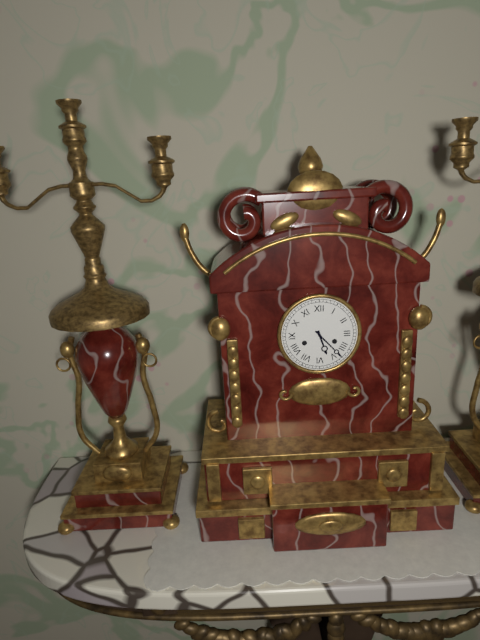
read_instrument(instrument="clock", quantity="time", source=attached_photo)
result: 5:23
